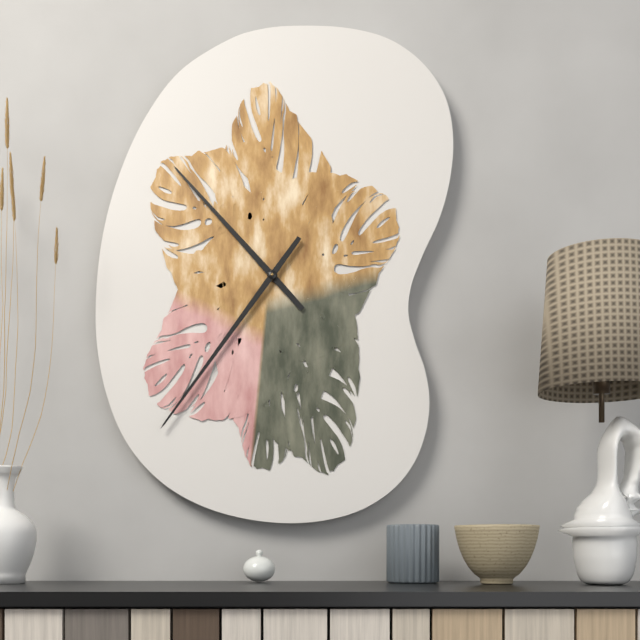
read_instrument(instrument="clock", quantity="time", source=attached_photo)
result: 10:36
